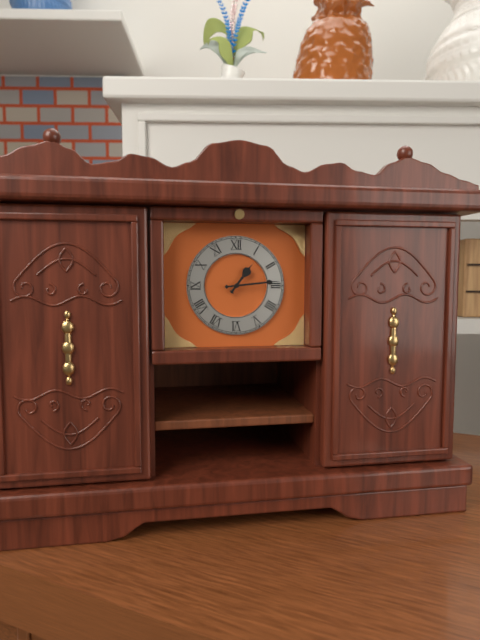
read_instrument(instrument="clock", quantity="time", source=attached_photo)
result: 1:14
